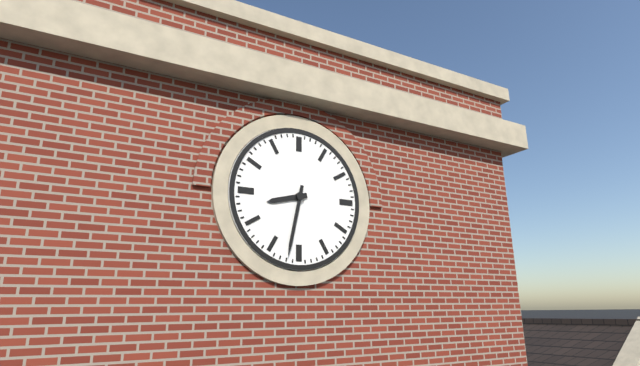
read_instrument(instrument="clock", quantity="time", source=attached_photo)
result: 8:32
